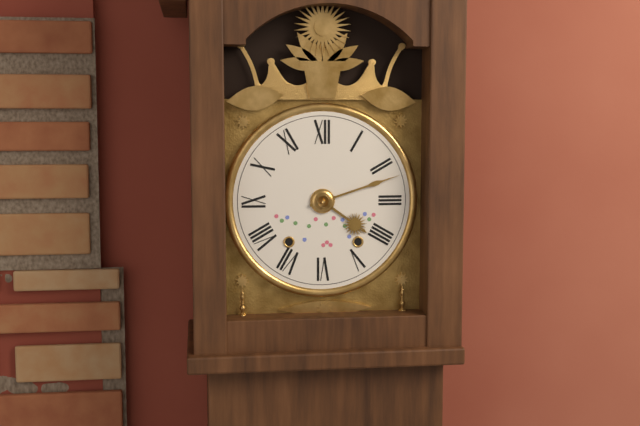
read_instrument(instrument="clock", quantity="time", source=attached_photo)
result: 4:12
